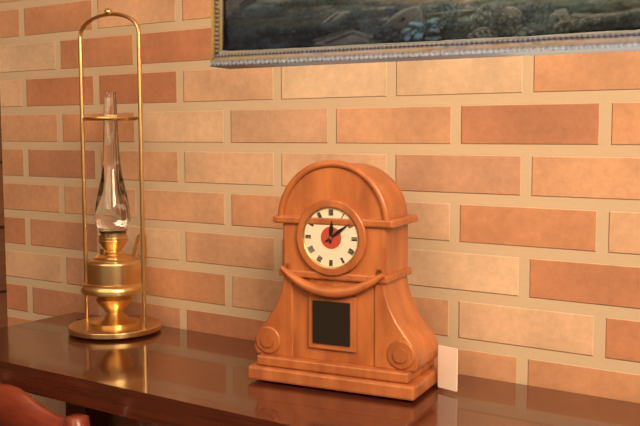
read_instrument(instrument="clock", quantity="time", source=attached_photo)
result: 12:09
